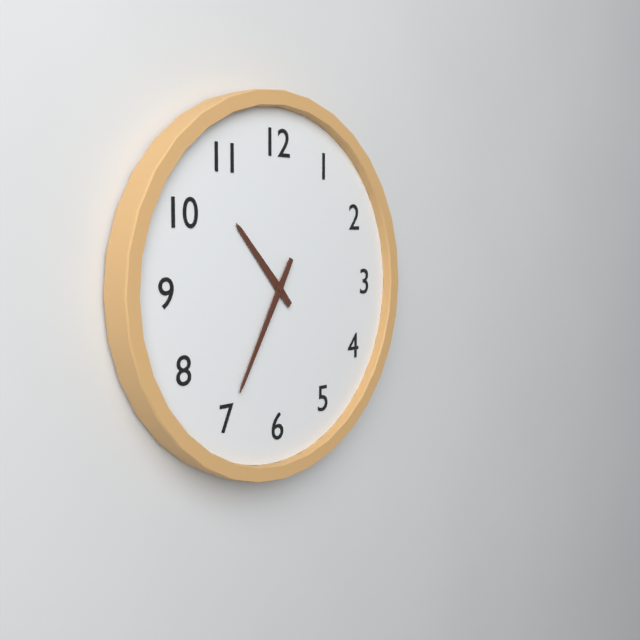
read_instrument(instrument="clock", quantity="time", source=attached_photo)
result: 10:35
